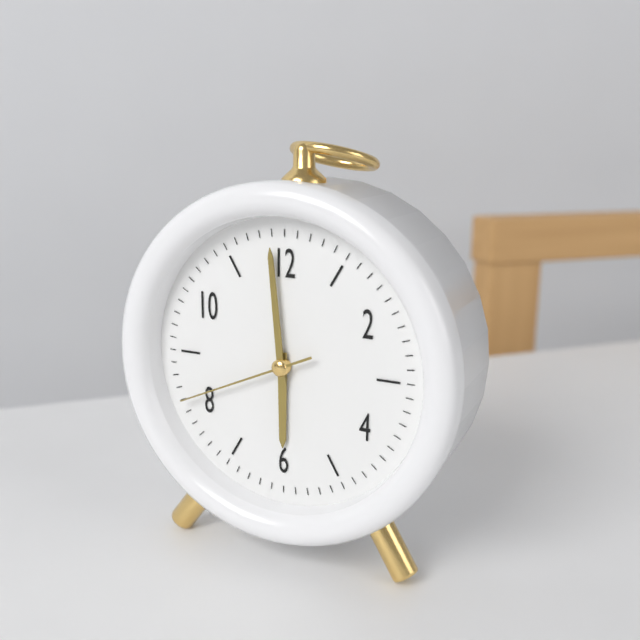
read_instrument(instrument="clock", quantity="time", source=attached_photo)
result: 5:59:41
